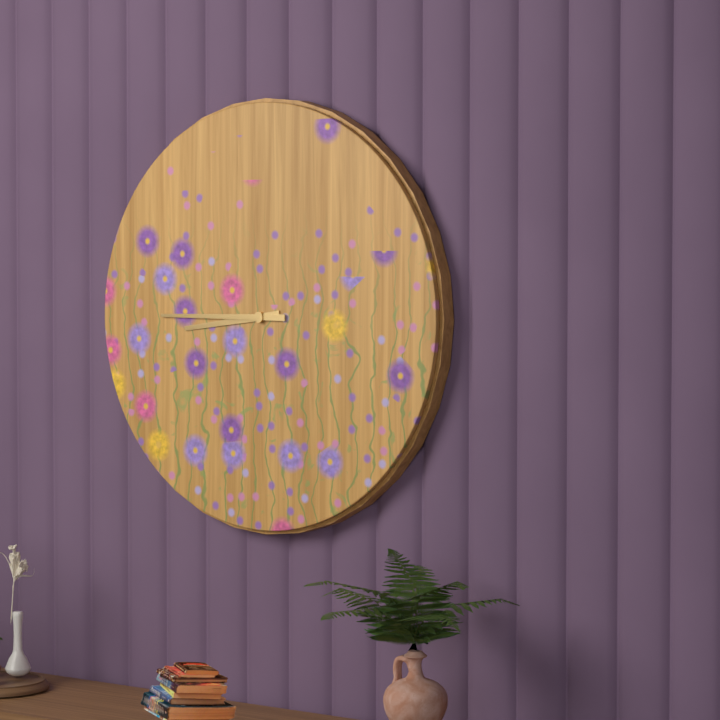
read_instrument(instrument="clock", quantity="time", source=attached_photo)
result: 8:45
